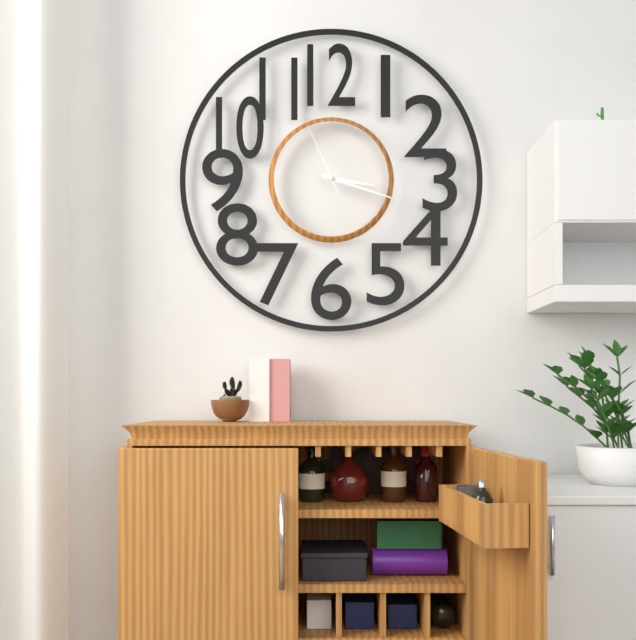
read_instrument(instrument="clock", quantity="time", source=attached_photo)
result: 3:18:56
